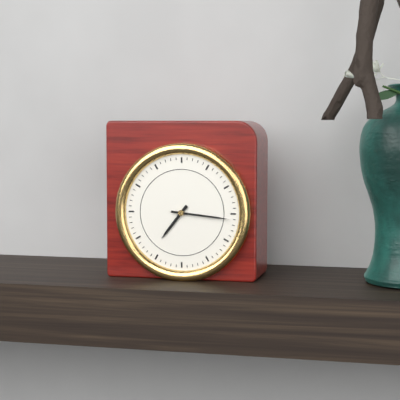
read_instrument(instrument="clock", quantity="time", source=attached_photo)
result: 7:16
